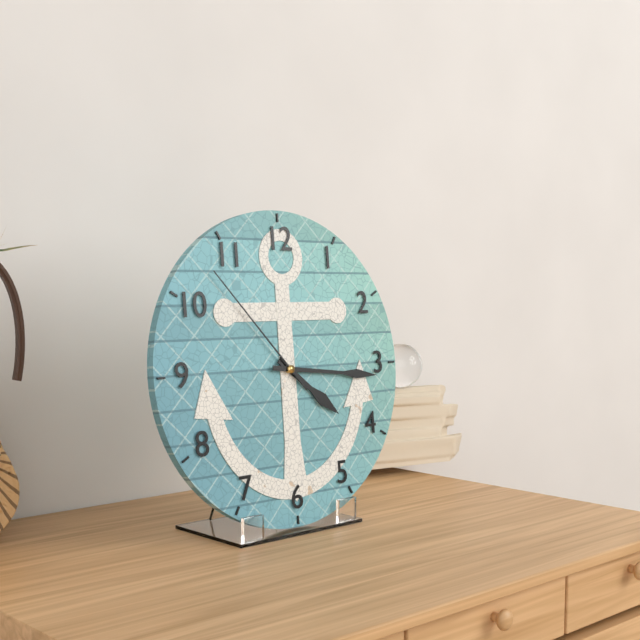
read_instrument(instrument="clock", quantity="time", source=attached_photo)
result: 4:16:53
